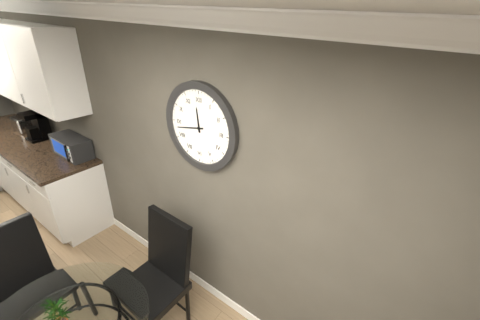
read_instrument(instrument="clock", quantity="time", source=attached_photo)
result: 11:43
